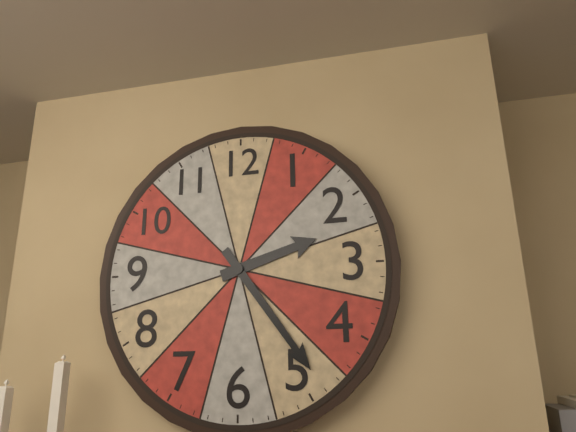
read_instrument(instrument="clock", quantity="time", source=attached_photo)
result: 2:24
